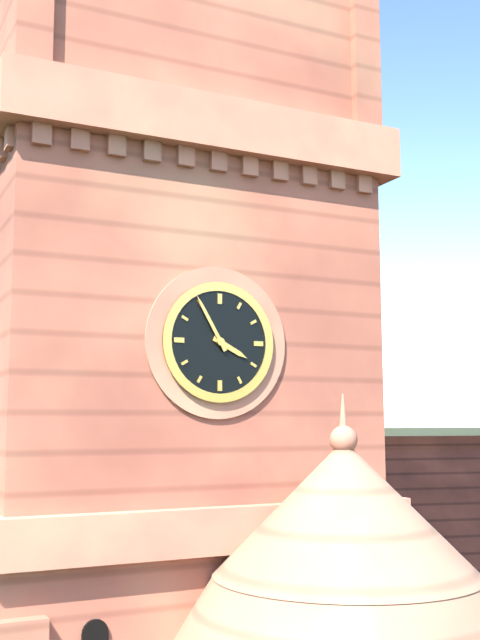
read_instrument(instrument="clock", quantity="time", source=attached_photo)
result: 3:55
